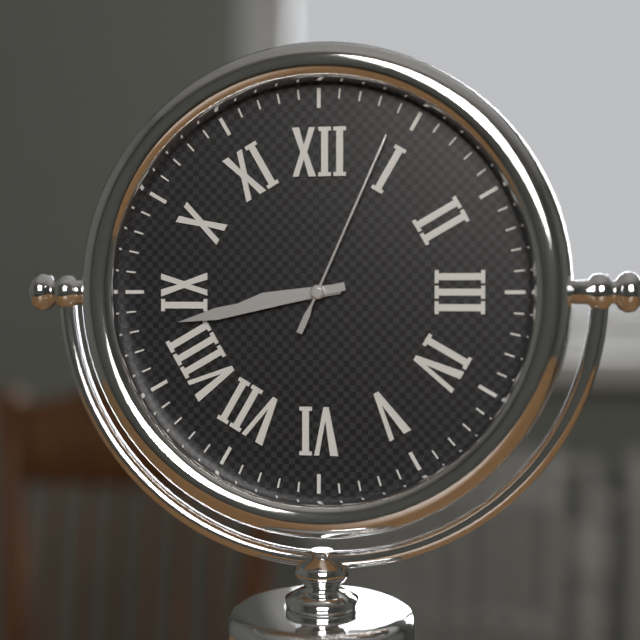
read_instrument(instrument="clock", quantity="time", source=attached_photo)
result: 8:43:04
